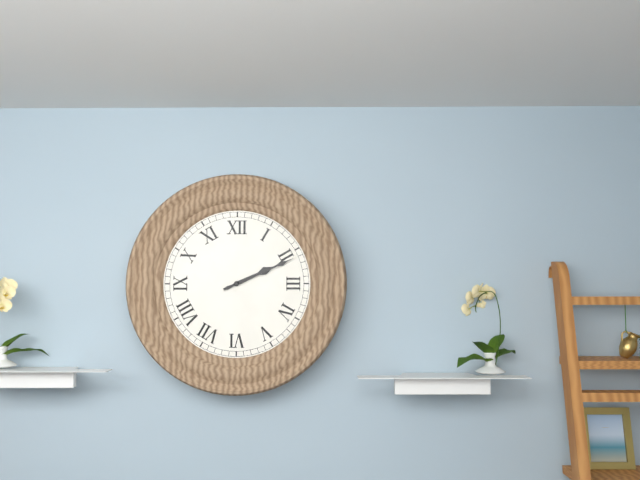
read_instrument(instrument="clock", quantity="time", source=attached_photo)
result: 2:11
